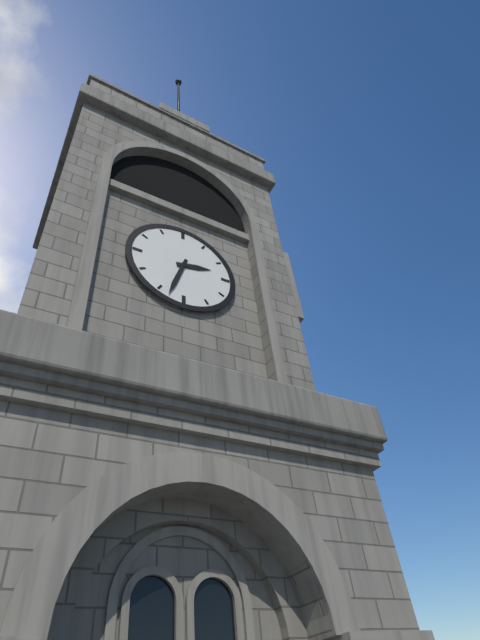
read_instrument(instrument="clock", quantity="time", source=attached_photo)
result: 2:33
